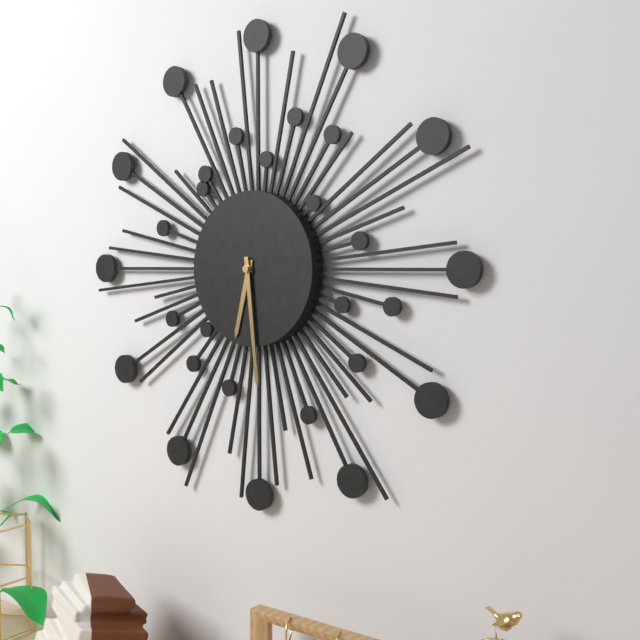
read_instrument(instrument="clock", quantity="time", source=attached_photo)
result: 6:29
